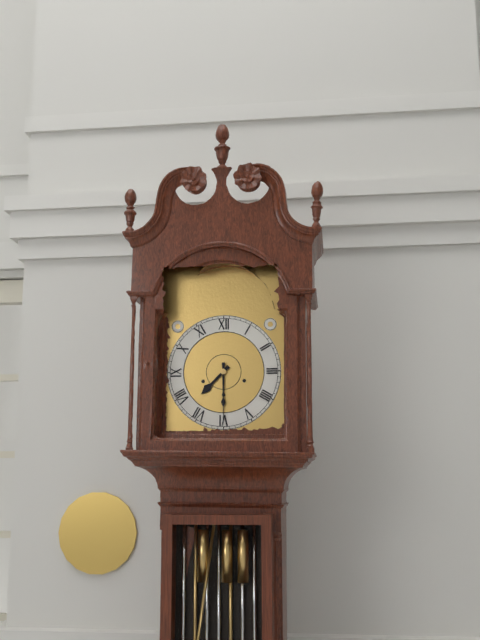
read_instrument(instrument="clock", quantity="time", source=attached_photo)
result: 7:30
